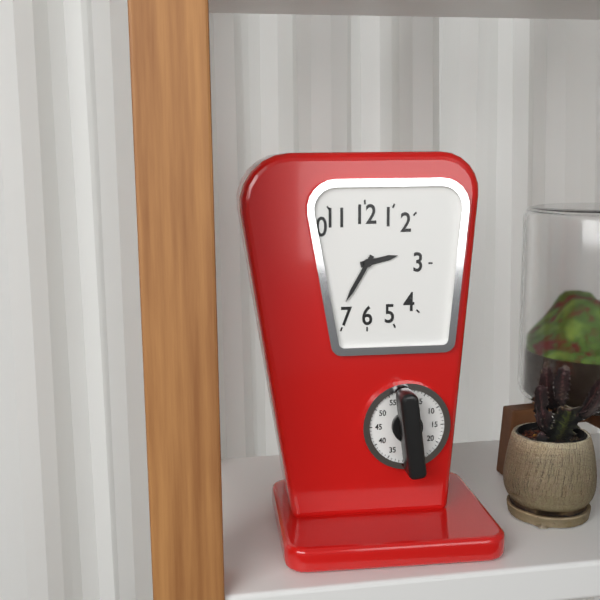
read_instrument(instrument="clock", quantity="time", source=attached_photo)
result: 2:35
